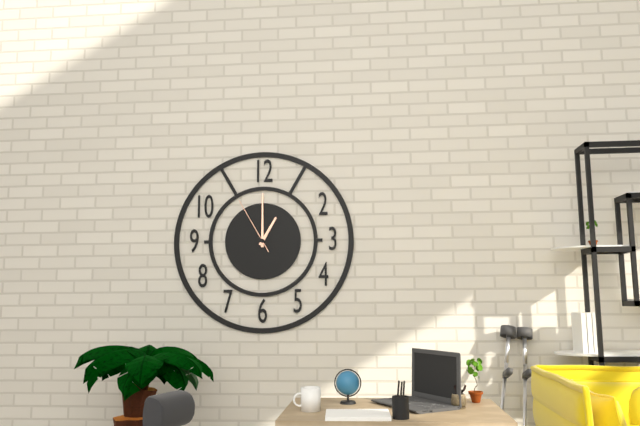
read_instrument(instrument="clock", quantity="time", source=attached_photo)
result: 1:00:55
